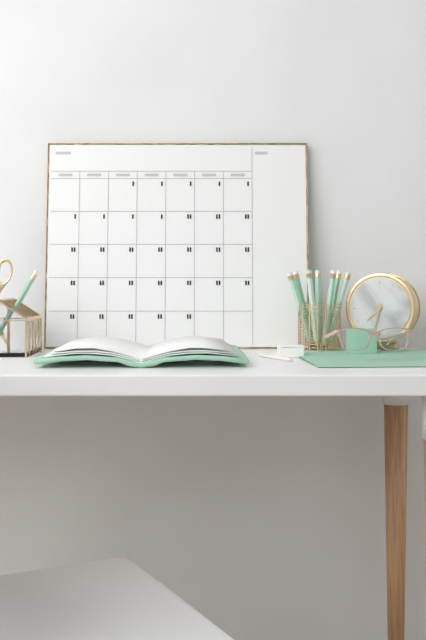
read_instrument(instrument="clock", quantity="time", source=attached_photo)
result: 7:32
